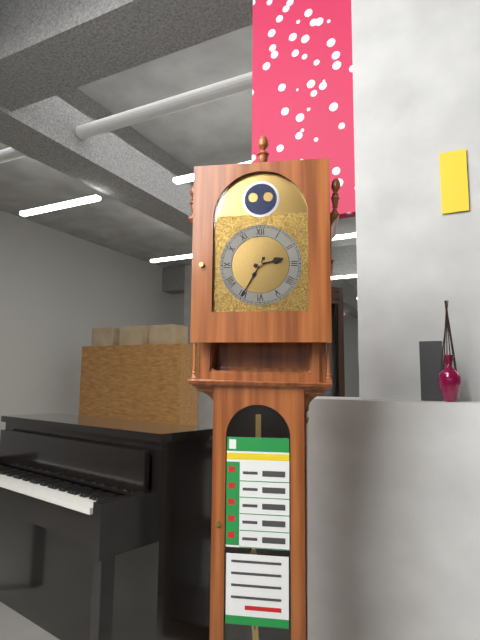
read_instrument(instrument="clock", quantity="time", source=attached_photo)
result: 2:35
